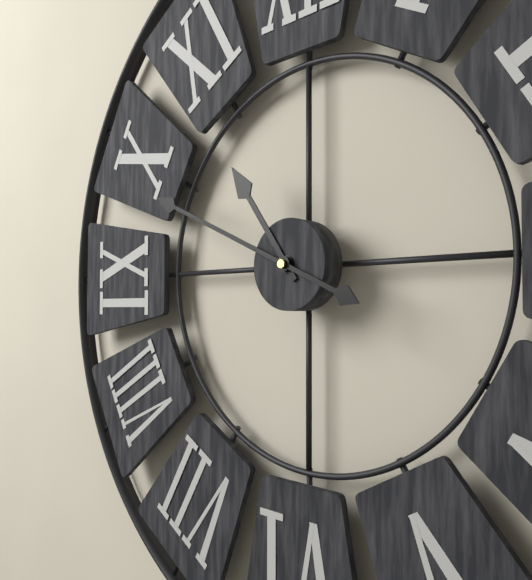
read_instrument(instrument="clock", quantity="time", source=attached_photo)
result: 10:49
